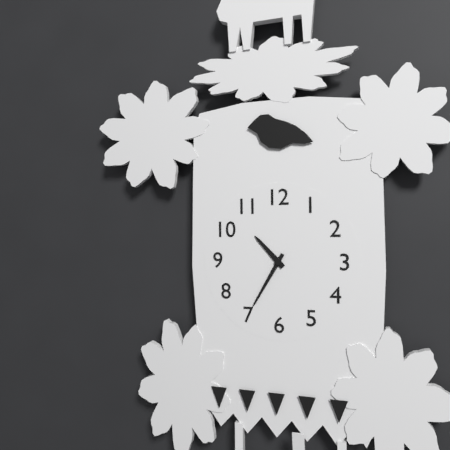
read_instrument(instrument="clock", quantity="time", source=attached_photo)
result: 10:35
